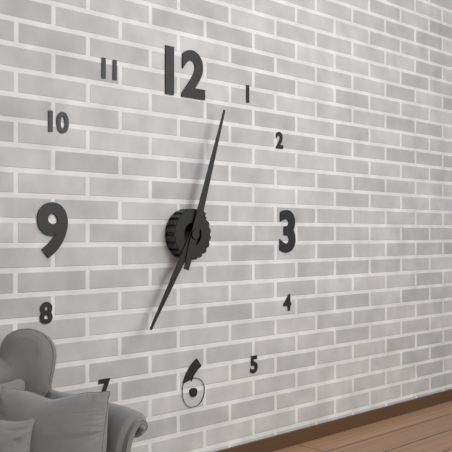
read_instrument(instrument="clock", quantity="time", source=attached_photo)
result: 7:03
